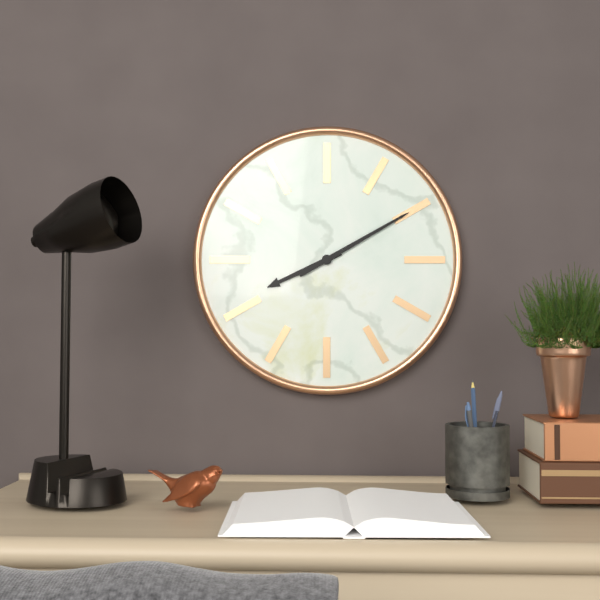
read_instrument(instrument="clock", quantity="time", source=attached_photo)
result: 8:10
